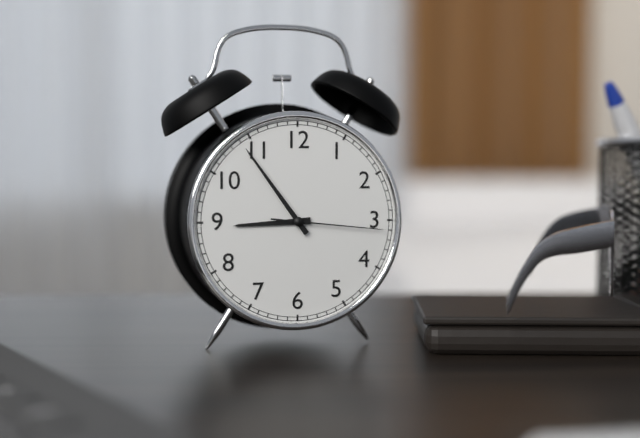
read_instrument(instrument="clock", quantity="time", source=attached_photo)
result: 8:54:16
